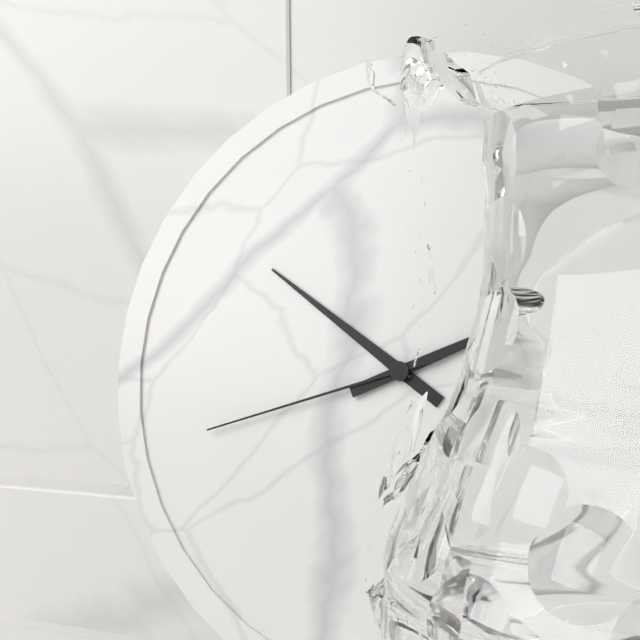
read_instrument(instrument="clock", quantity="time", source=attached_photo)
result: 10:11:42
